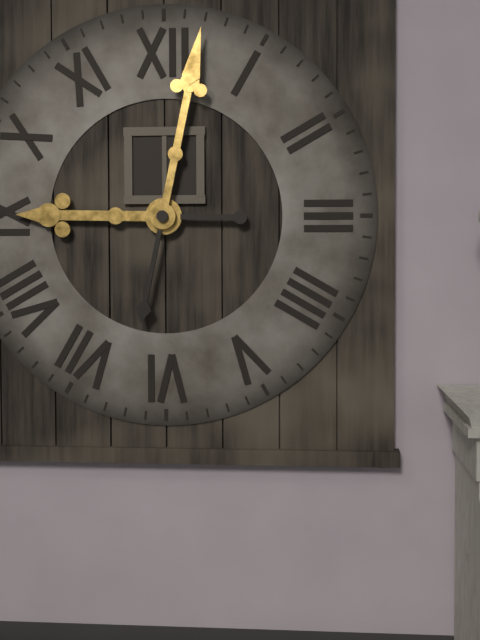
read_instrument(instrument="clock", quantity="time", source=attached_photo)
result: 9:02
